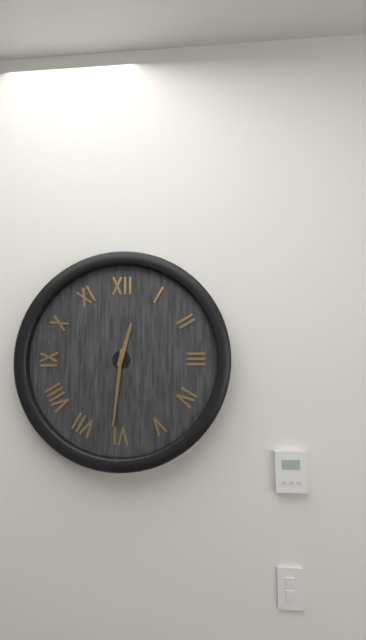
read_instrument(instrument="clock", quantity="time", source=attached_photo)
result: 12:31
